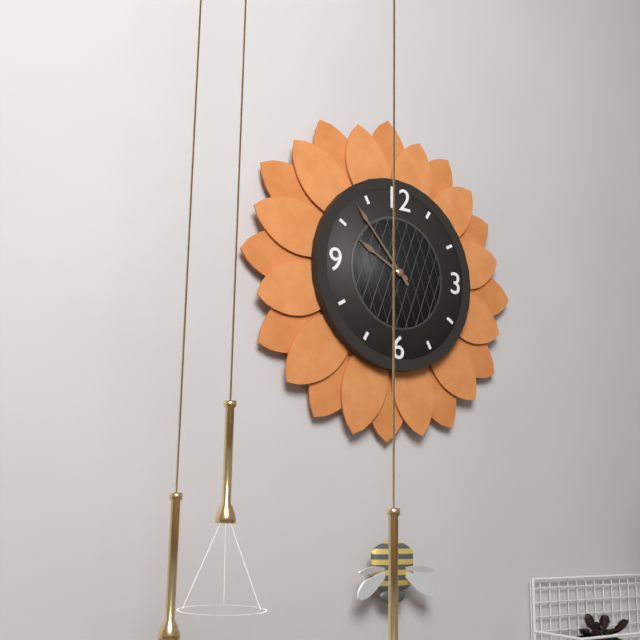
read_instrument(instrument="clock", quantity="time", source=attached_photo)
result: 9:53
